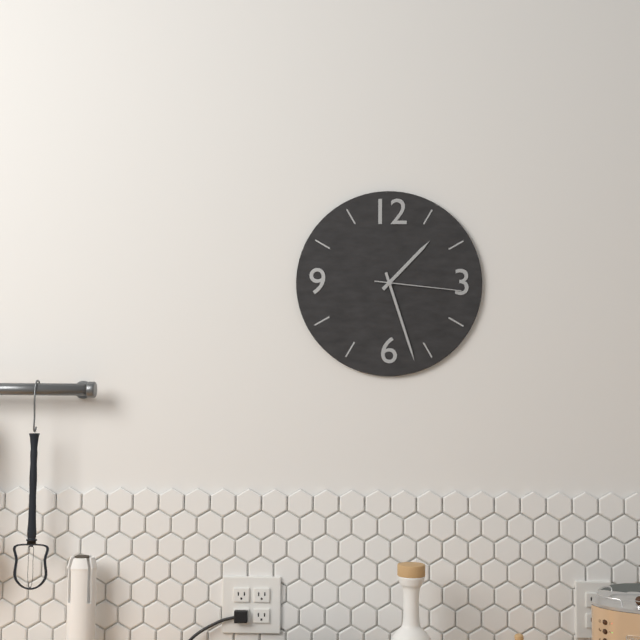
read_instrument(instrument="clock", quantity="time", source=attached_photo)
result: 1:27:16
